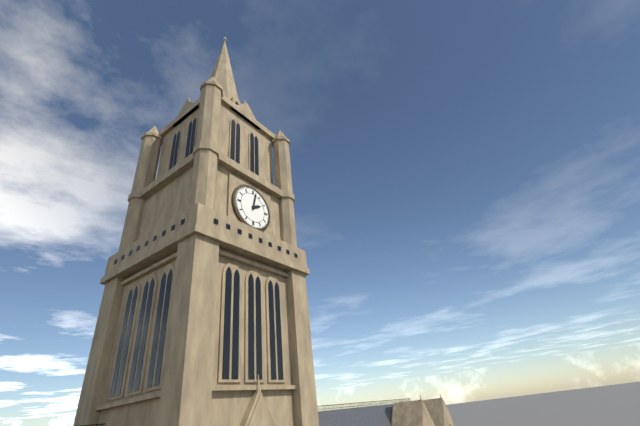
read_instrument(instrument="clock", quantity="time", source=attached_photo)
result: 2:02
